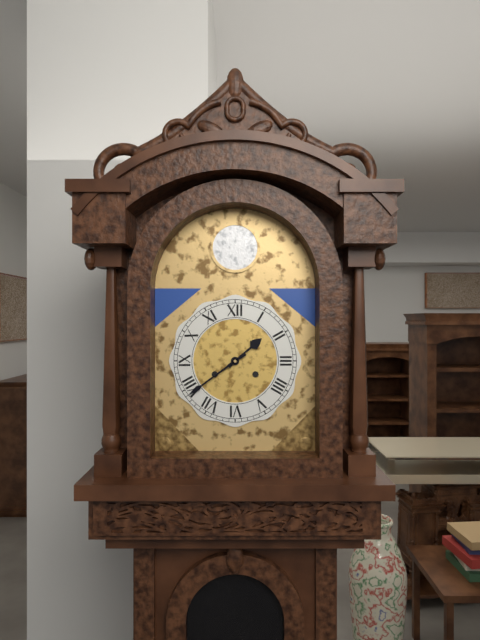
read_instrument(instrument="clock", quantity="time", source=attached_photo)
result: 1:39
